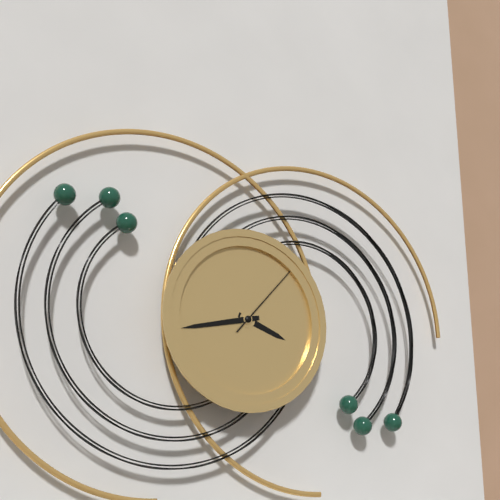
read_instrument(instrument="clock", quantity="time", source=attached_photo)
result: 3:43:07
